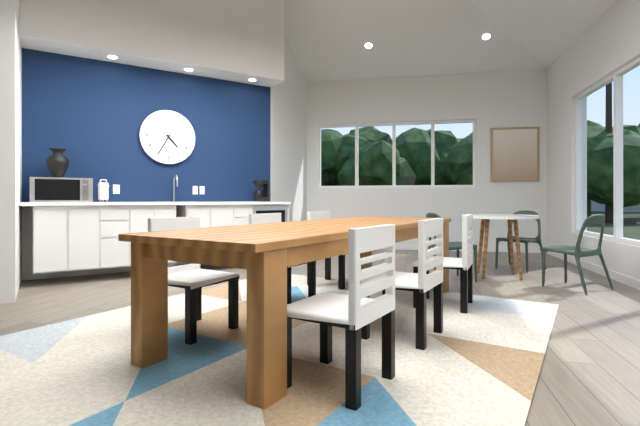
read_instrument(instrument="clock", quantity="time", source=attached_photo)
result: 4:35
